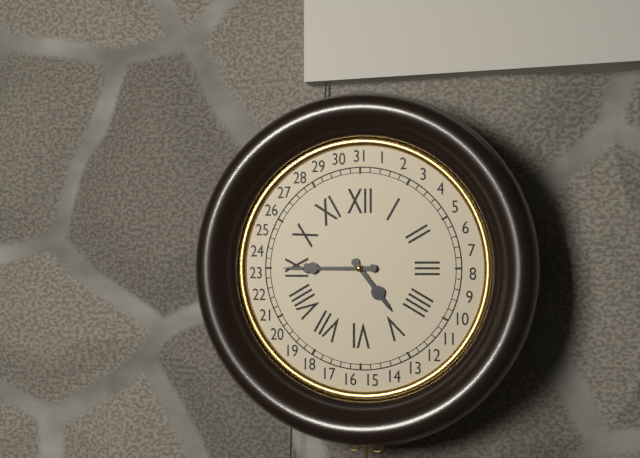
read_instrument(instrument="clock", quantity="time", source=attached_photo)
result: 4:45
